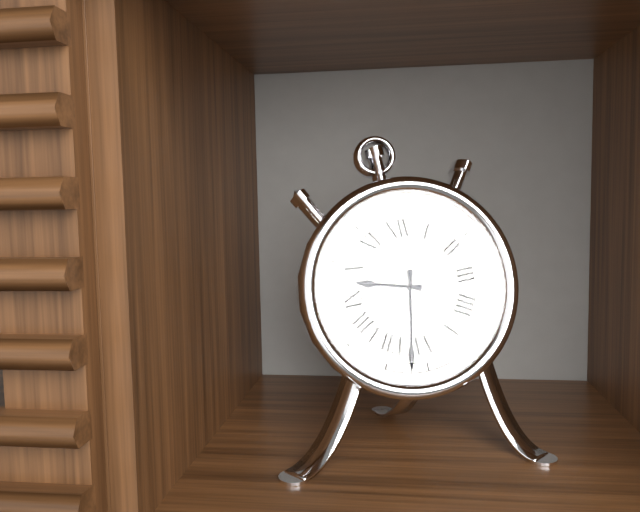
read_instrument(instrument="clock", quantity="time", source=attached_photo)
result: 9:32
